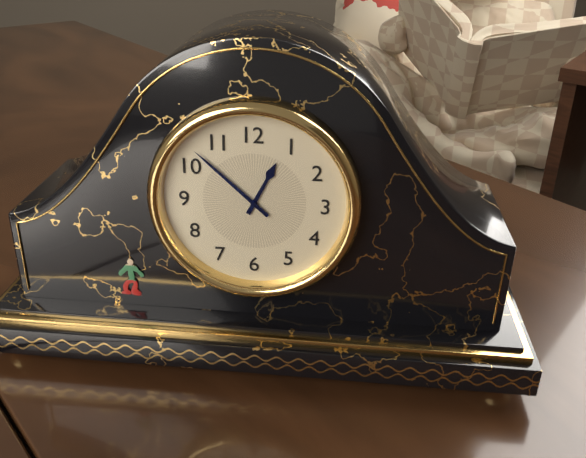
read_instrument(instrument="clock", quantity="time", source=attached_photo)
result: 12:52
